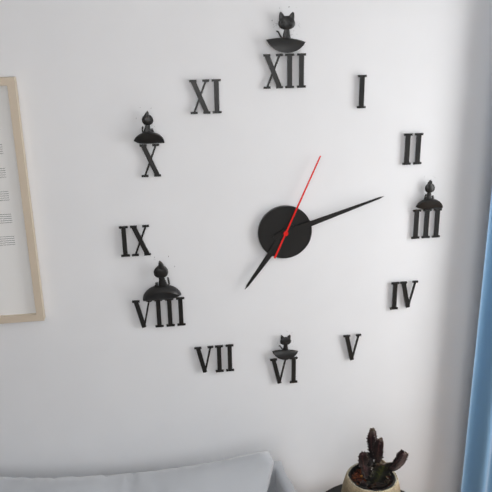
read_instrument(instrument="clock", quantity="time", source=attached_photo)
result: 7:12:04
